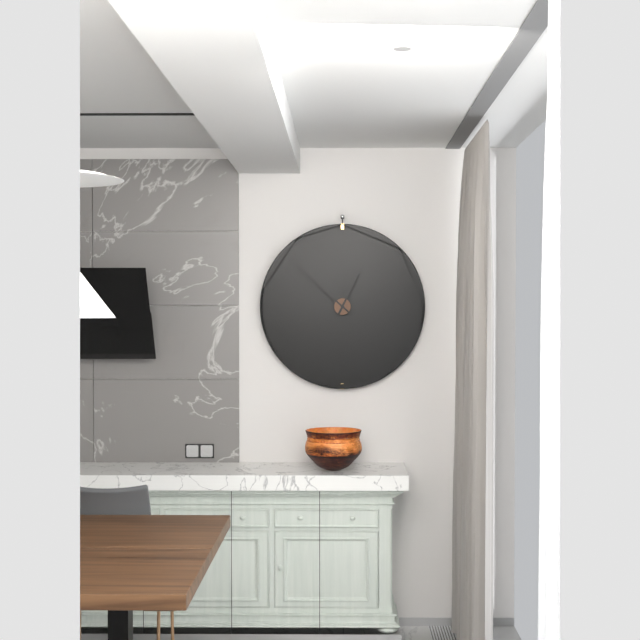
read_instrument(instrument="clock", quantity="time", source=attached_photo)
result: 12:52
